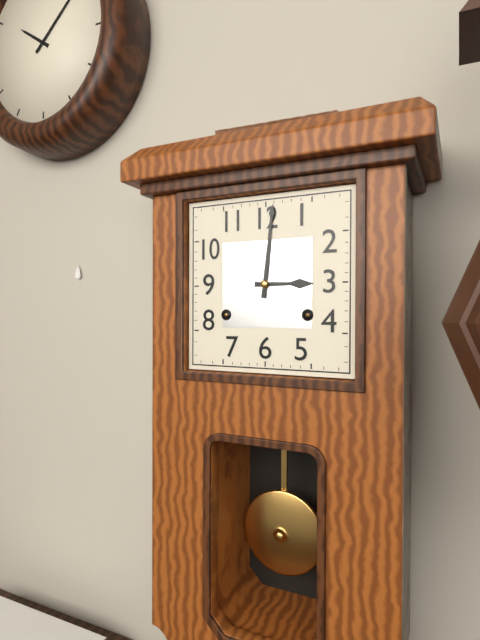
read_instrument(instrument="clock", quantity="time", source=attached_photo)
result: 3:01
